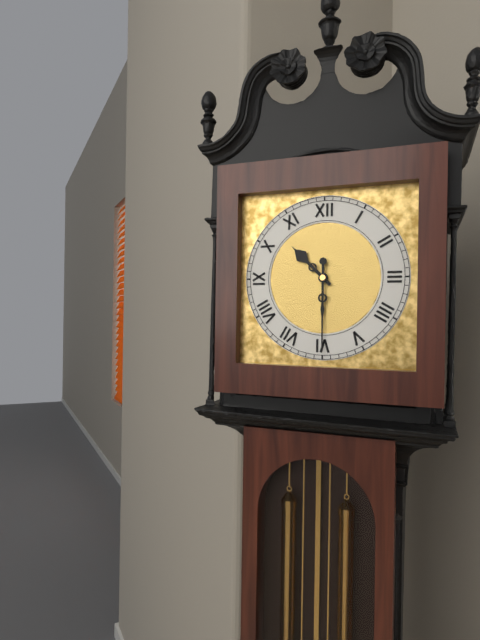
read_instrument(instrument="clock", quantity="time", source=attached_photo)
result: 10:30
